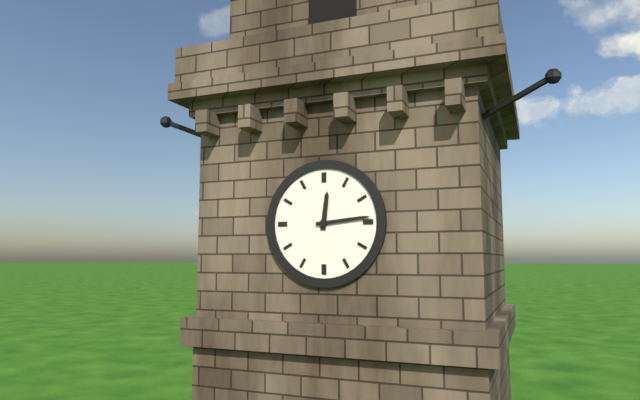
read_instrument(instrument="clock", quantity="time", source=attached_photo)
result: 12:14
